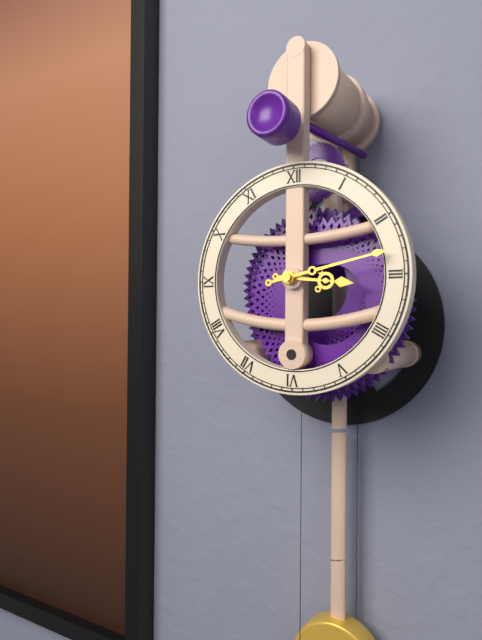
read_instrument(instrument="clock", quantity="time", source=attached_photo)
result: 3:13
